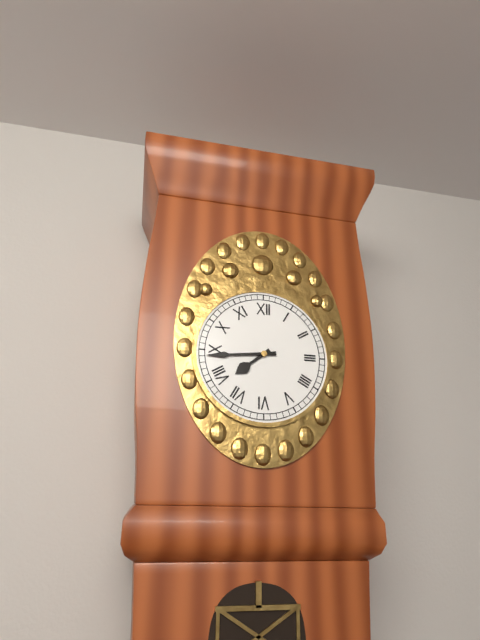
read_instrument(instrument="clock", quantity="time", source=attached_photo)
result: 7:44
